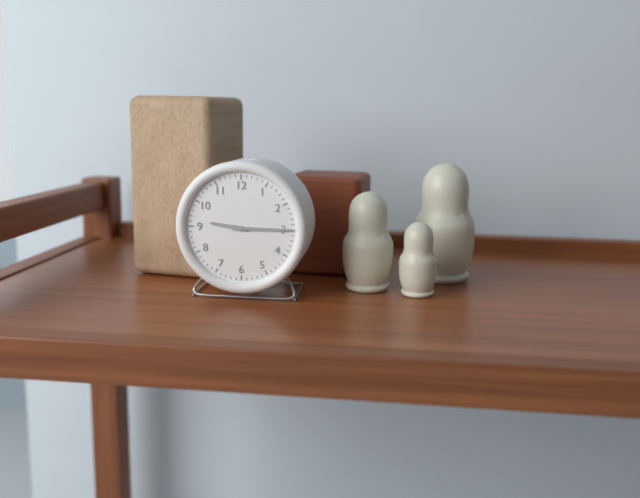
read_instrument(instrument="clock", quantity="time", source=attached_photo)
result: 9:15
